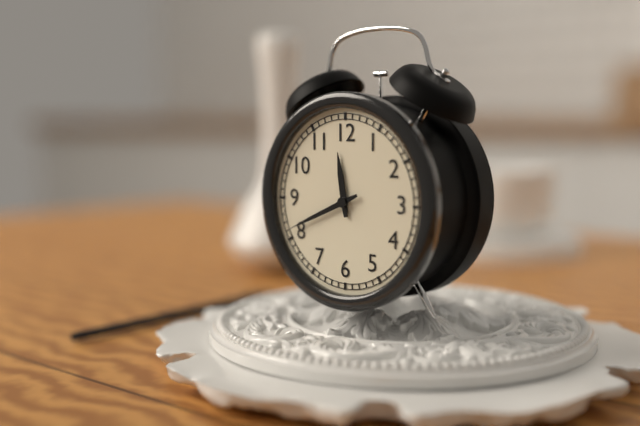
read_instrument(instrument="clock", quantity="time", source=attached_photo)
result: 11:41
